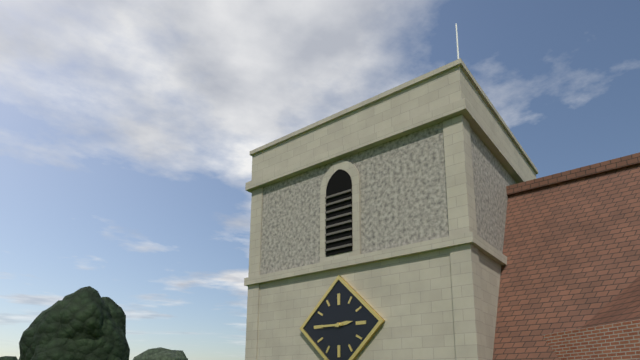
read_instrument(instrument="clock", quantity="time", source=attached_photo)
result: 2:45
